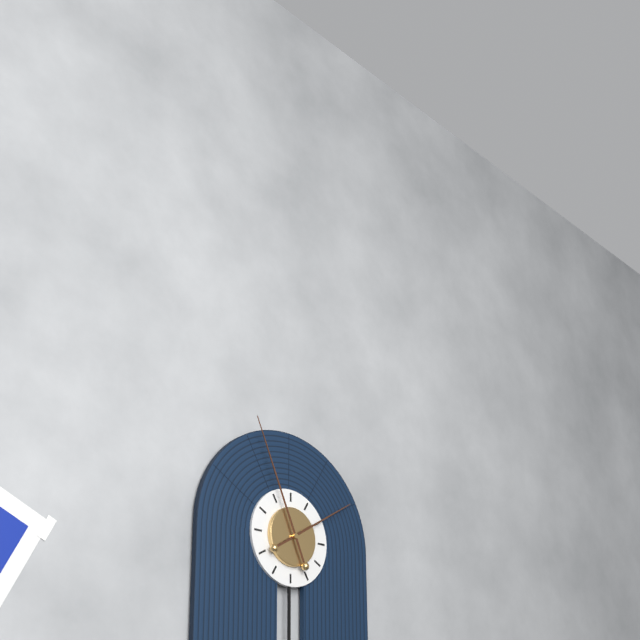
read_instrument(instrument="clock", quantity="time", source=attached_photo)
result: 1:56
